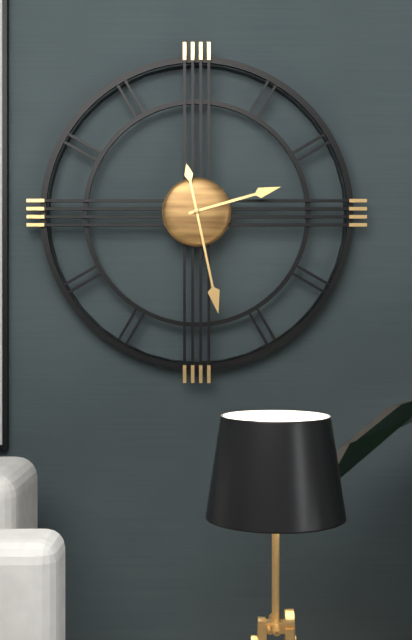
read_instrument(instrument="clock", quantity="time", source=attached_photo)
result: 2:28
